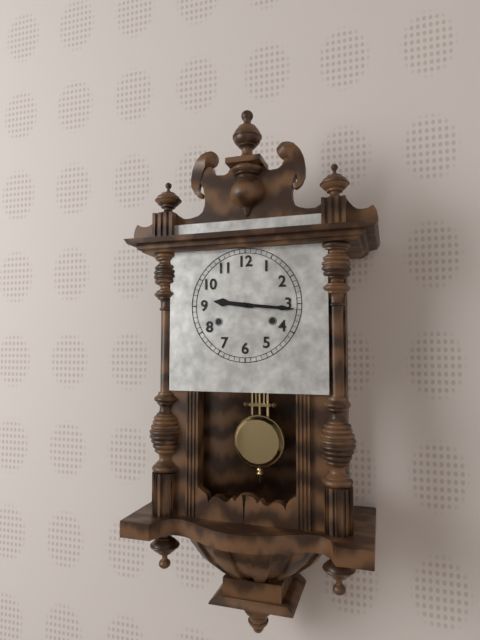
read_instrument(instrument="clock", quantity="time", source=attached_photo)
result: 9:16
